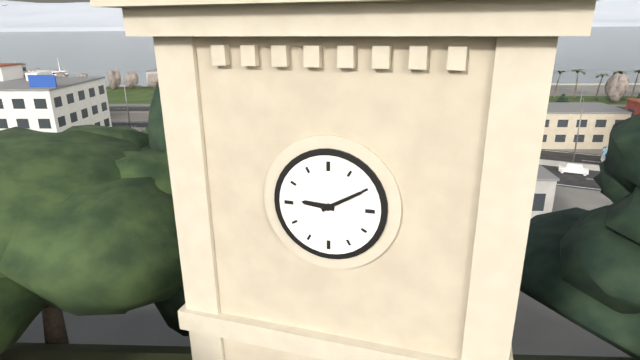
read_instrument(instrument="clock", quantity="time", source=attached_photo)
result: 9:10
